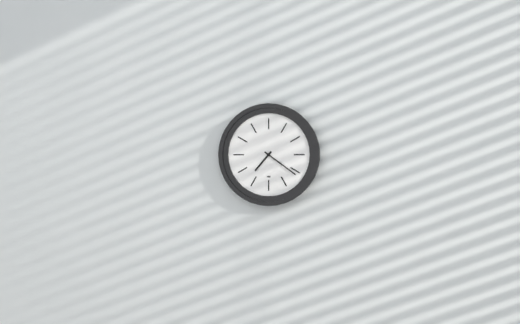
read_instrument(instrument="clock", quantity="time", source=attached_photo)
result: 7:21
